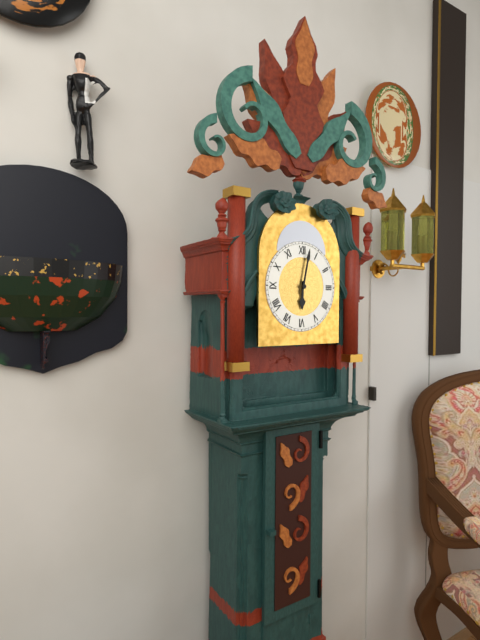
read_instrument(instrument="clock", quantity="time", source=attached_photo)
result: 6:02
